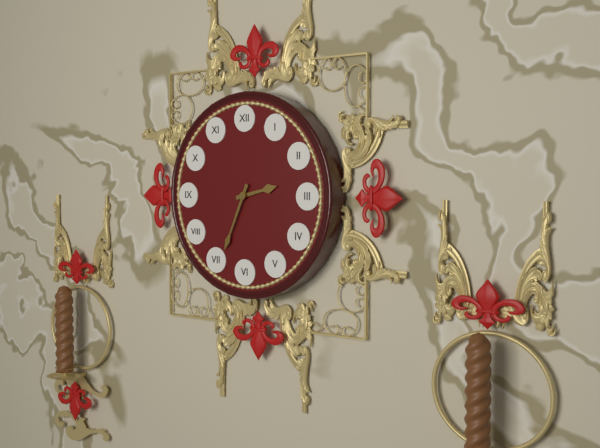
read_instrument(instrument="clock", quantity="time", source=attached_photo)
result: 2:34
